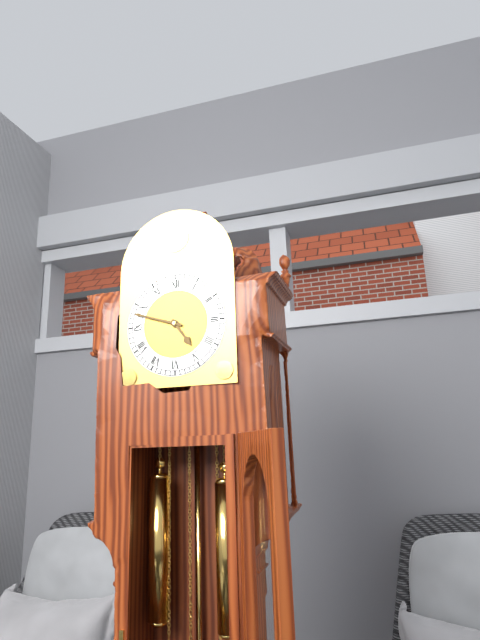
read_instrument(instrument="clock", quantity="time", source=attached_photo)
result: 4:48
